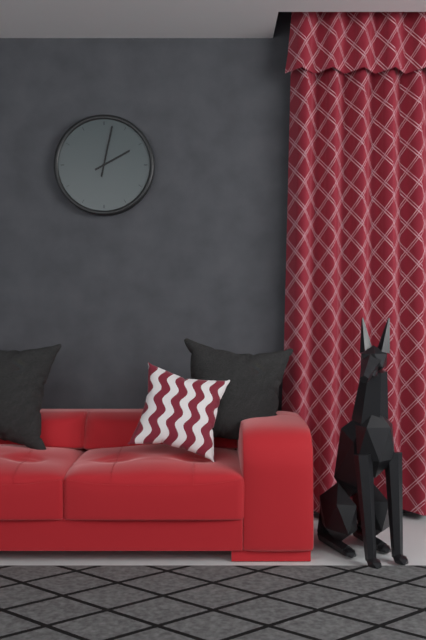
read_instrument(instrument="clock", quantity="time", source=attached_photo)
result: 2:02
